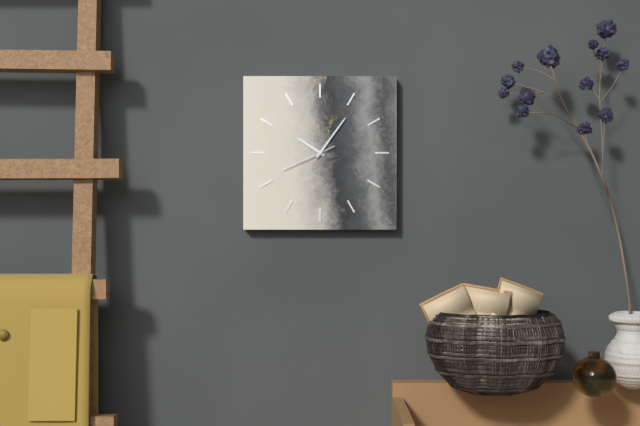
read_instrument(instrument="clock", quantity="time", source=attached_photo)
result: 10:06:41
